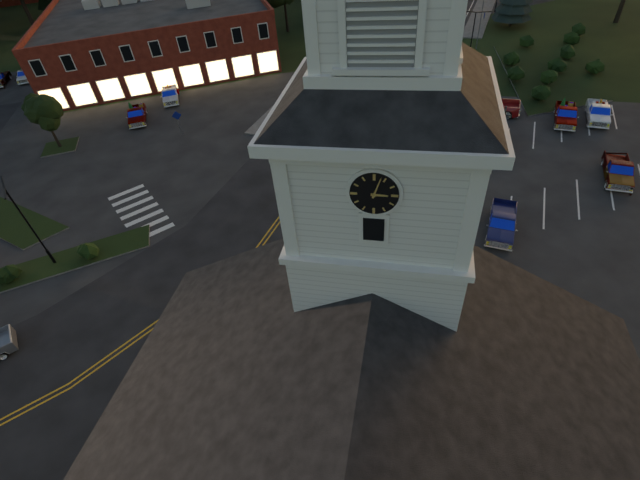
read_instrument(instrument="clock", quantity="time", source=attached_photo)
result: 3:03
